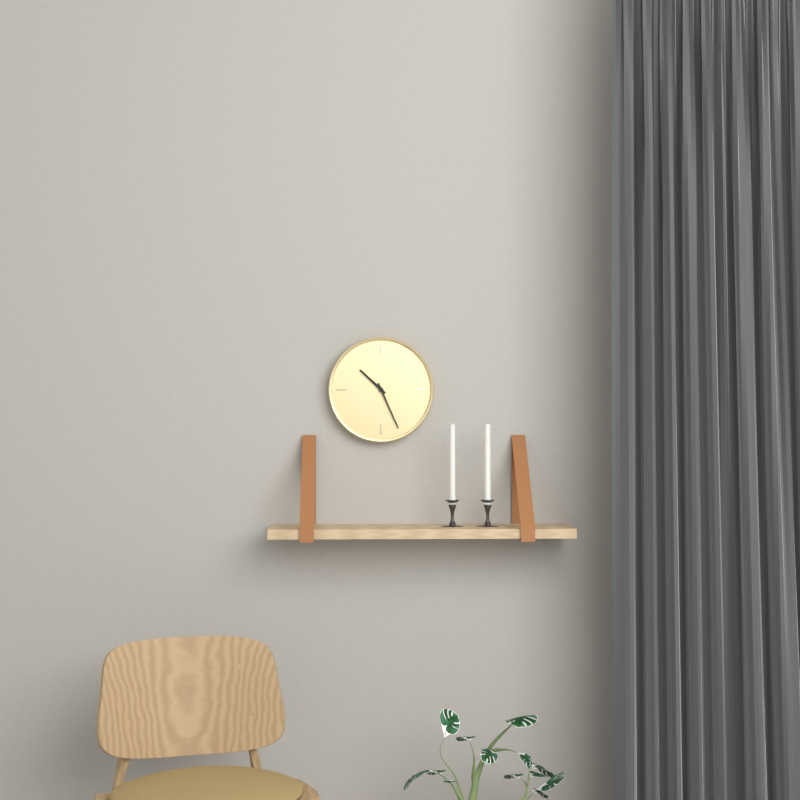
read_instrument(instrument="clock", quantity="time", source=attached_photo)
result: 10:26
